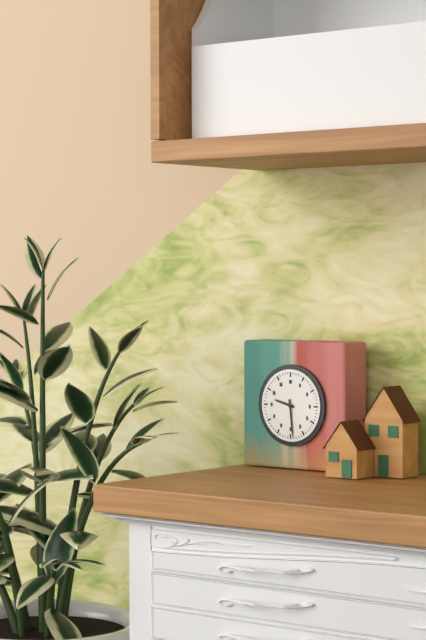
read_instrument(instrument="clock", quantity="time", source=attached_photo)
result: 9:29
